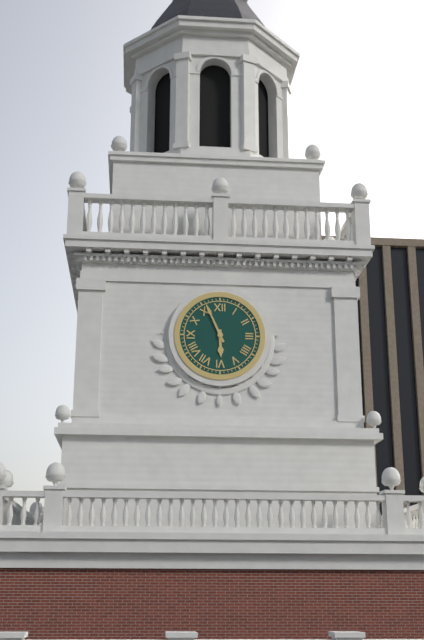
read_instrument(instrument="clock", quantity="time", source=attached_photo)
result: 5:56
